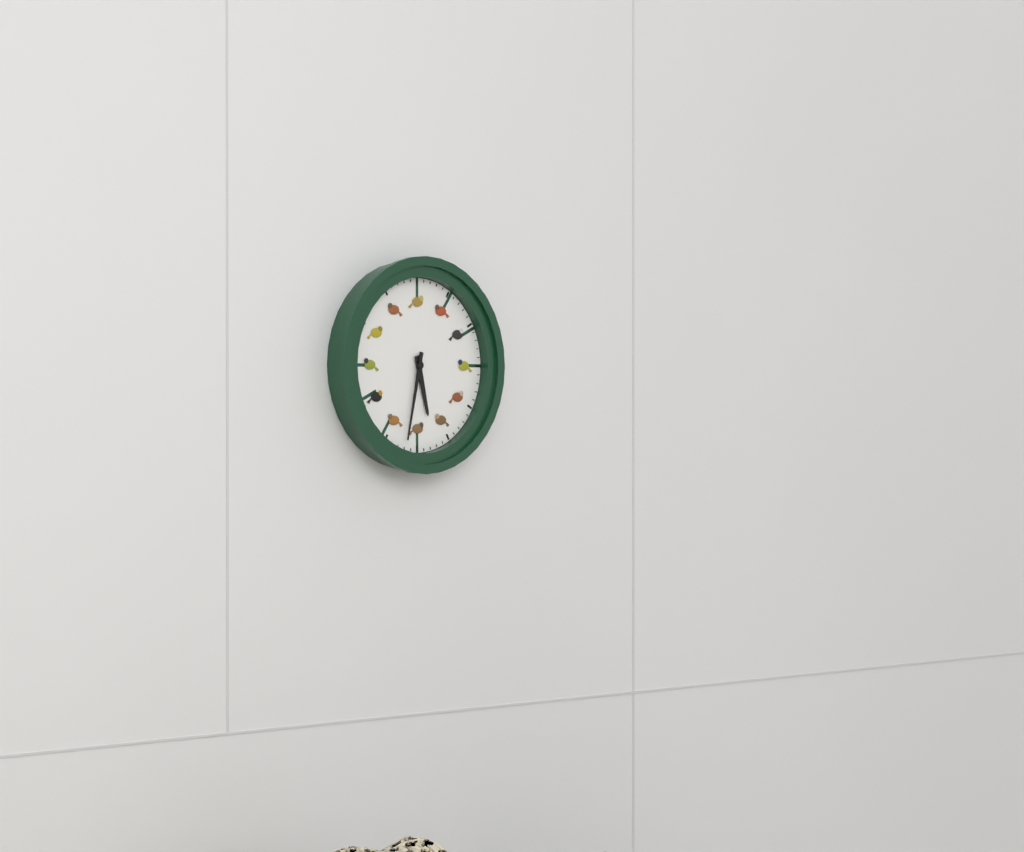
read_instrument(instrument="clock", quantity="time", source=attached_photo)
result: 5:32
